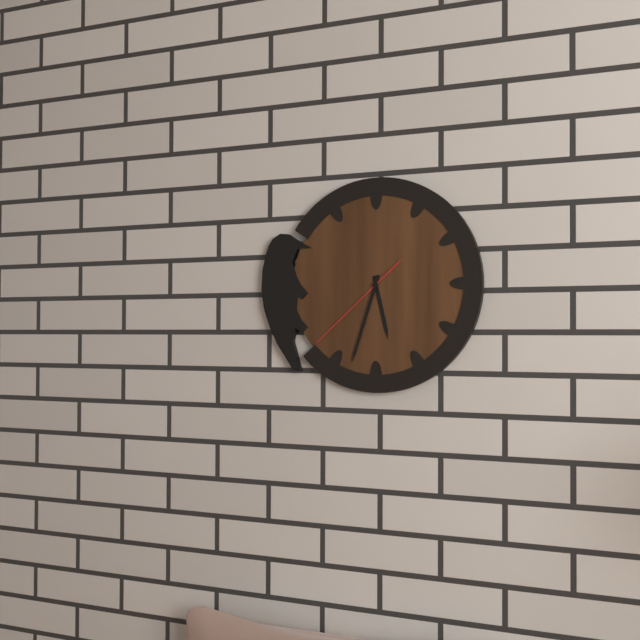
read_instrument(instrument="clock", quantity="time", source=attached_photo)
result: 5:33:38
